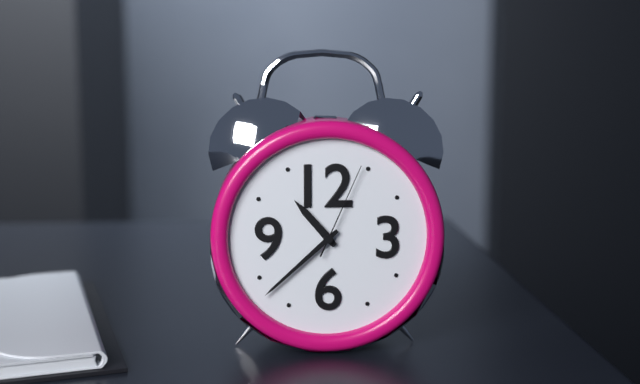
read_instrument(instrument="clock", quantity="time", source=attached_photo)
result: 10:38:04
